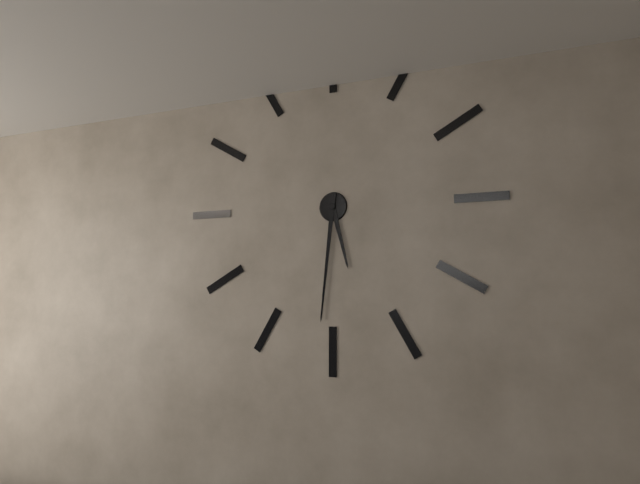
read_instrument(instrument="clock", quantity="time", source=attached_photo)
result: 5:31
